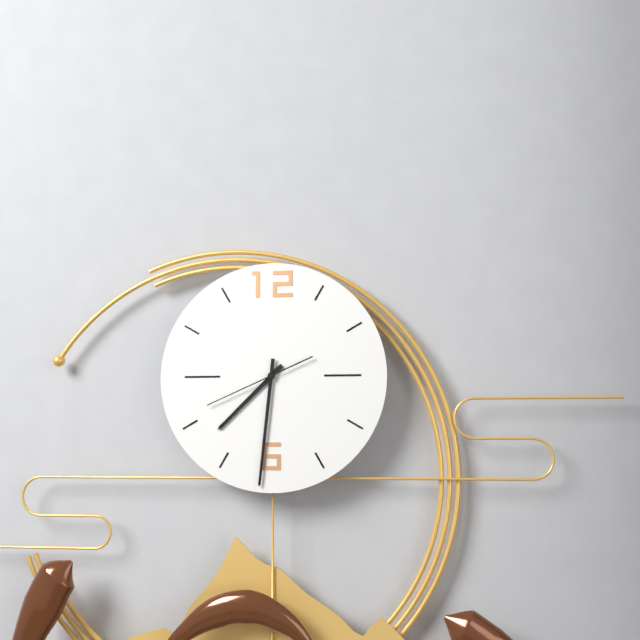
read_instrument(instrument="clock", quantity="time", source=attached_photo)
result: 7:31:41
